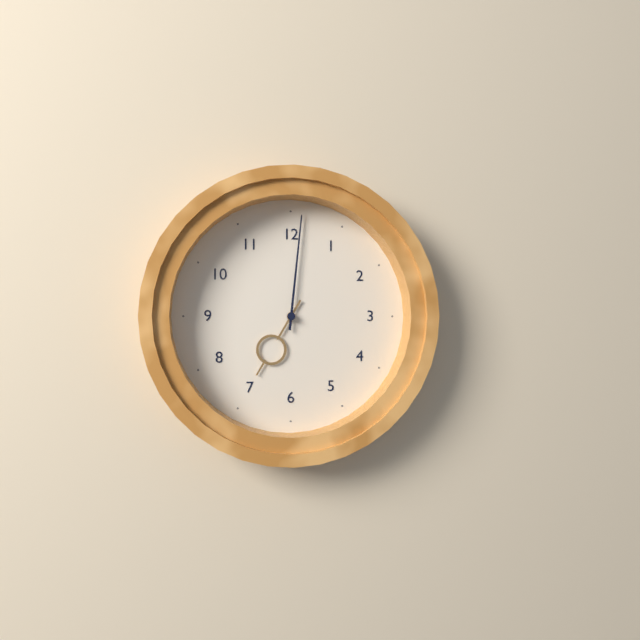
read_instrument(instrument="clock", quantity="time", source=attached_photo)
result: 7:01
